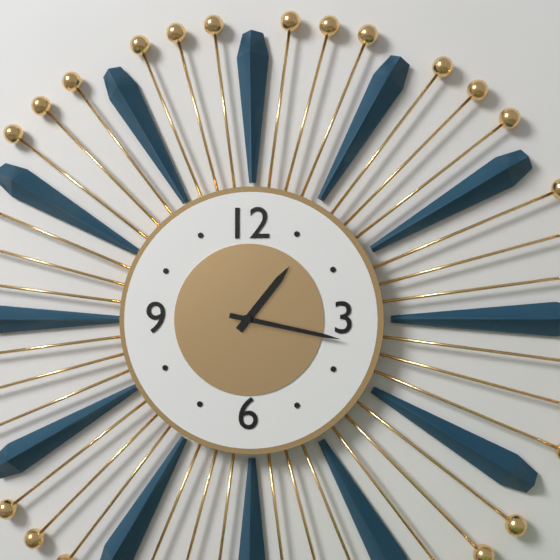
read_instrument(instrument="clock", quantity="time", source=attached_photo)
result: 1:17
